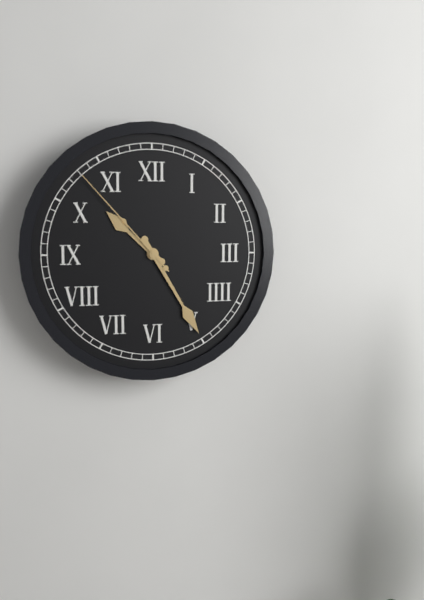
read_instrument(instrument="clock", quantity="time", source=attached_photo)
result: 10:25:53
